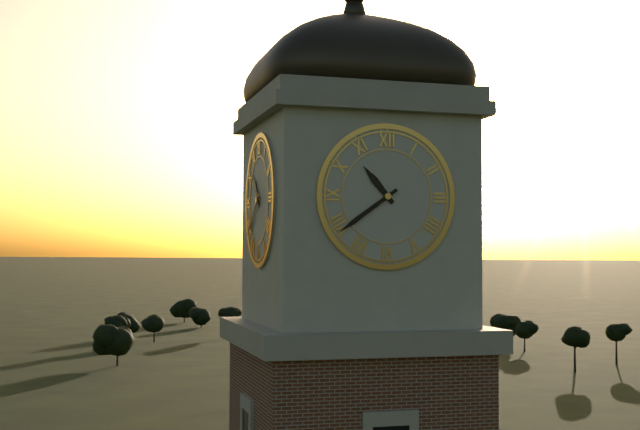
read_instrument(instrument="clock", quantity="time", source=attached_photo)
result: 10:39
